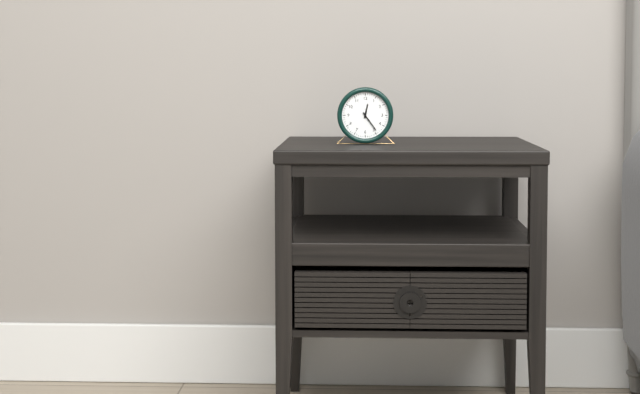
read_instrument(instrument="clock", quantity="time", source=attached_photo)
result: 12:24
